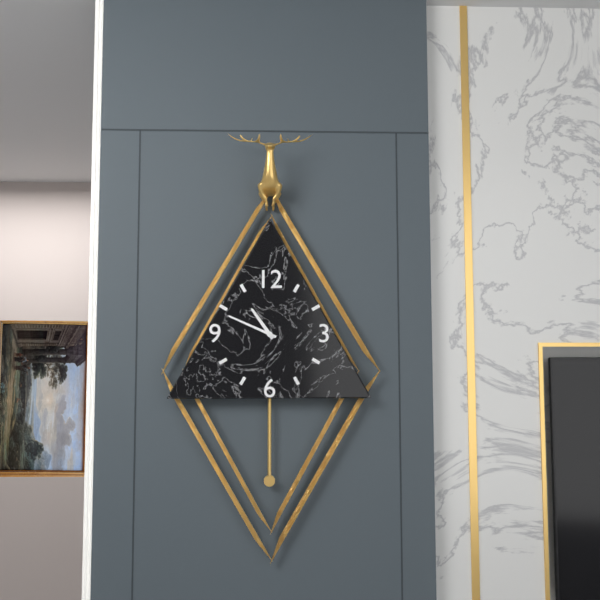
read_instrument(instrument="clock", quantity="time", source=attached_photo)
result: 10:49
